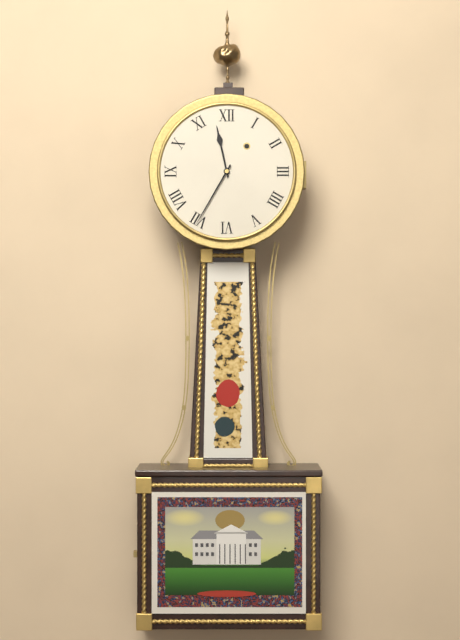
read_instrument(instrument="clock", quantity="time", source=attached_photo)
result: 11:35
